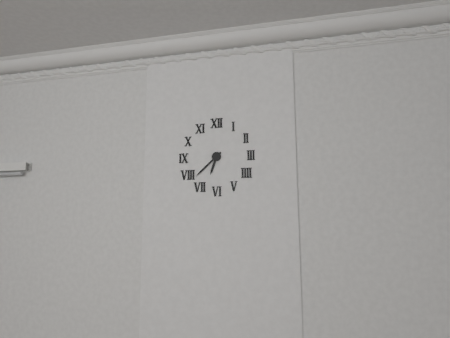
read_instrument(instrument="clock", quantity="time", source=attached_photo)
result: 6:38
